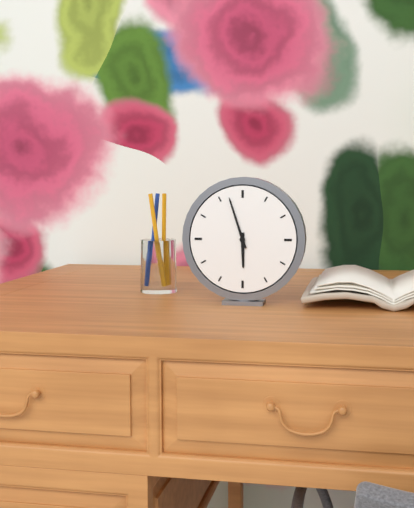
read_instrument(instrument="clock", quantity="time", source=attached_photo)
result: 5:57
